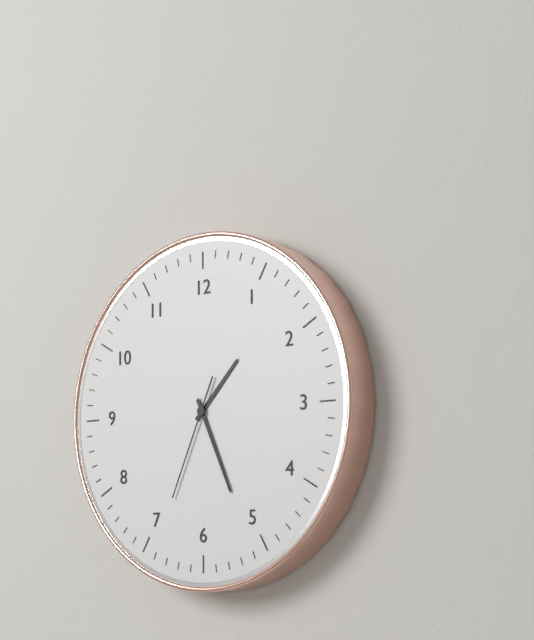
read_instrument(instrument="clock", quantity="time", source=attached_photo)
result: 1:26:34
